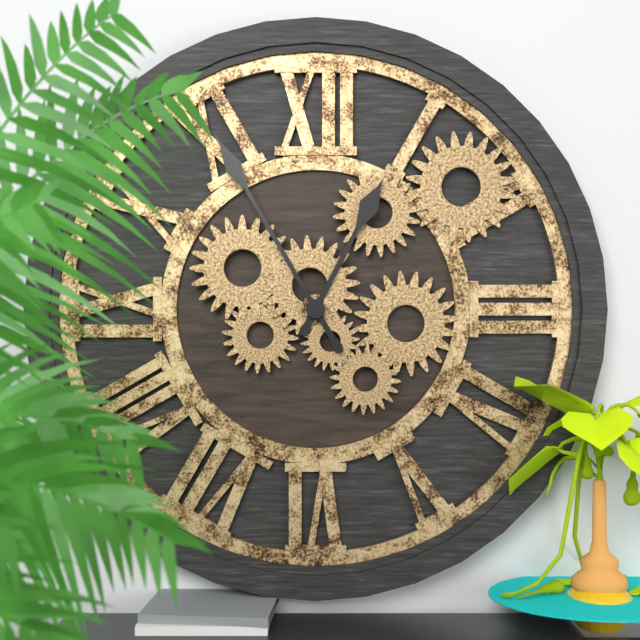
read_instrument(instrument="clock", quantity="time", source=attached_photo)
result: 12:55
